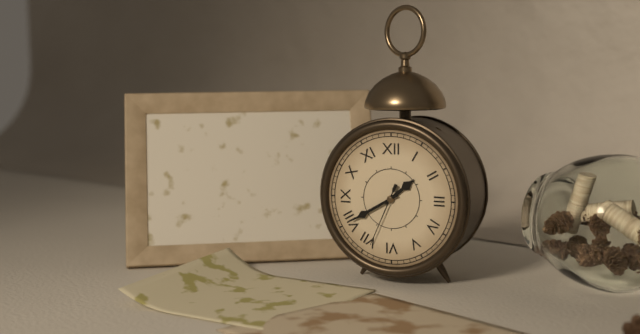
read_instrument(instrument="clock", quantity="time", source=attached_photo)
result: 1:40:34
